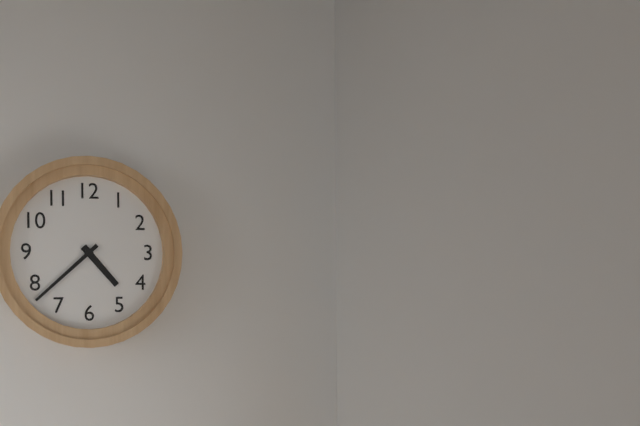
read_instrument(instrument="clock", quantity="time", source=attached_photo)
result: 4:38
